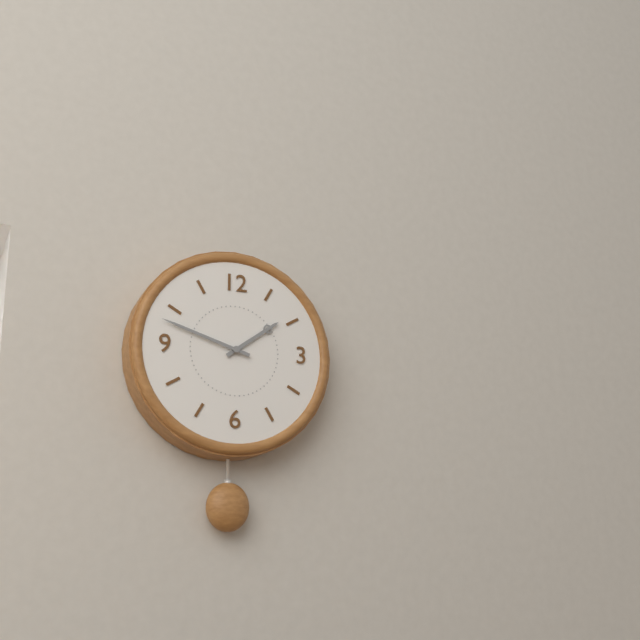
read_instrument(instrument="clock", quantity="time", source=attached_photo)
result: 1:48
